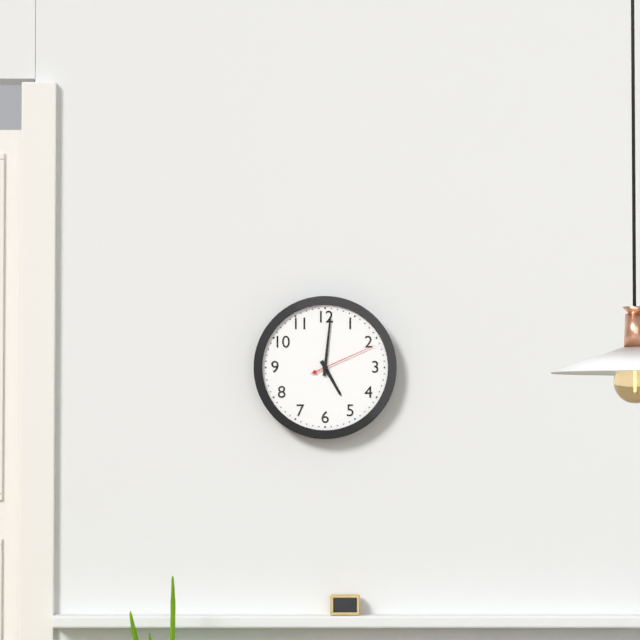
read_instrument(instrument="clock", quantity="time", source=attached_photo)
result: 5:01:11
